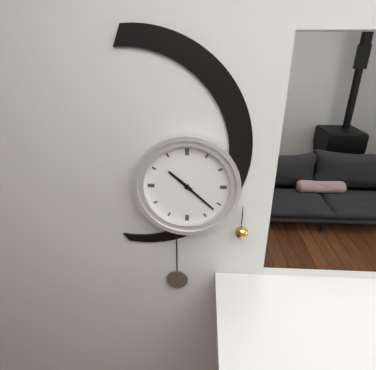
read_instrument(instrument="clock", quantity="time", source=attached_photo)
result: 10:22
